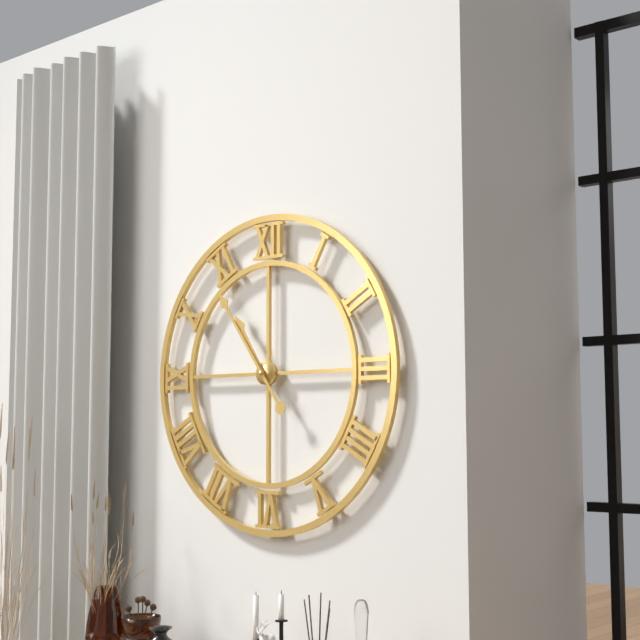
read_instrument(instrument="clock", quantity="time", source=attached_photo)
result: 10:54
